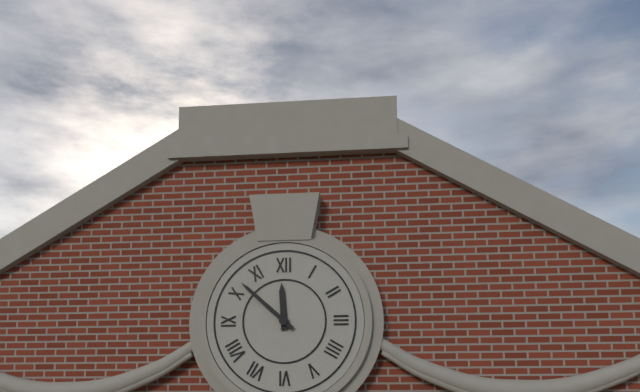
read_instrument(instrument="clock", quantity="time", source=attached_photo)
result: 11:52
